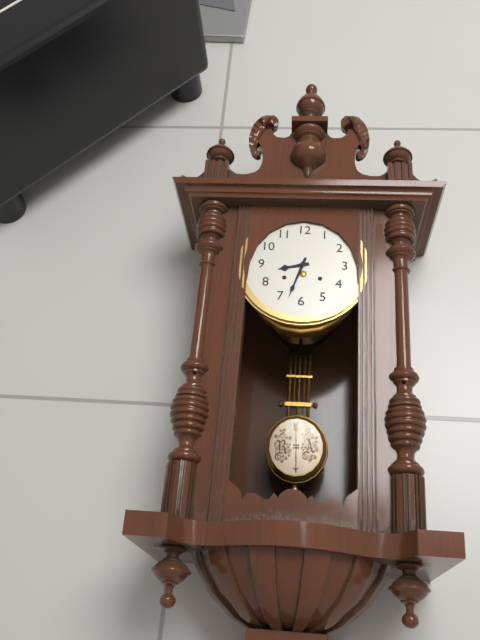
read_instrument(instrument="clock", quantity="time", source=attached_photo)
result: 8:33
